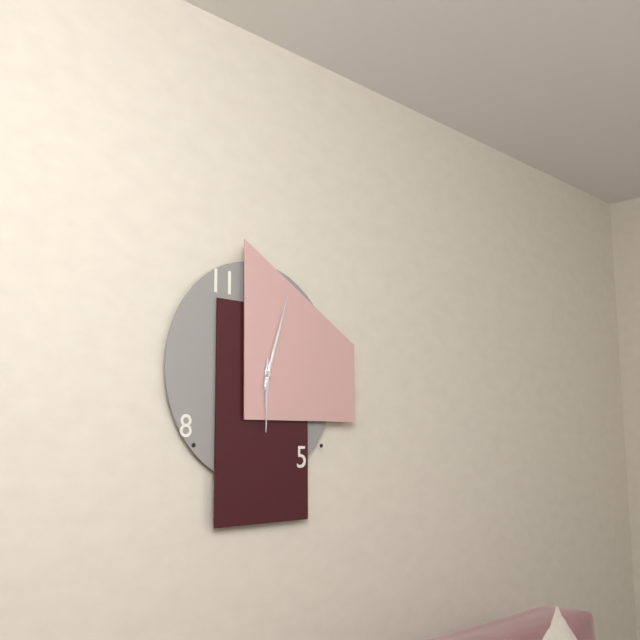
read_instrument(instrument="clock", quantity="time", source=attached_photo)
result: 6:03:03
